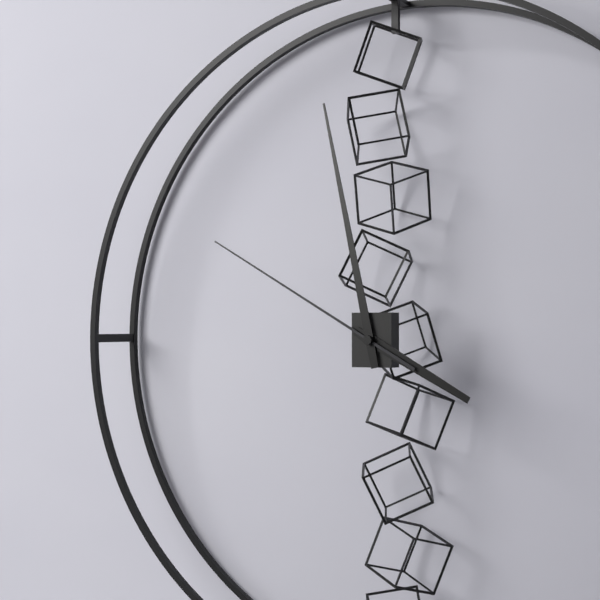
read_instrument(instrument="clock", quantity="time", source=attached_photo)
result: 3:58:50
